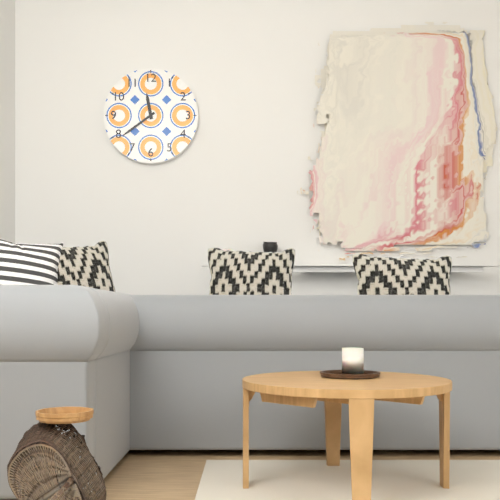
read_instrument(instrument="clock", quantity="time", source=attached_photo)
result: 11:39
